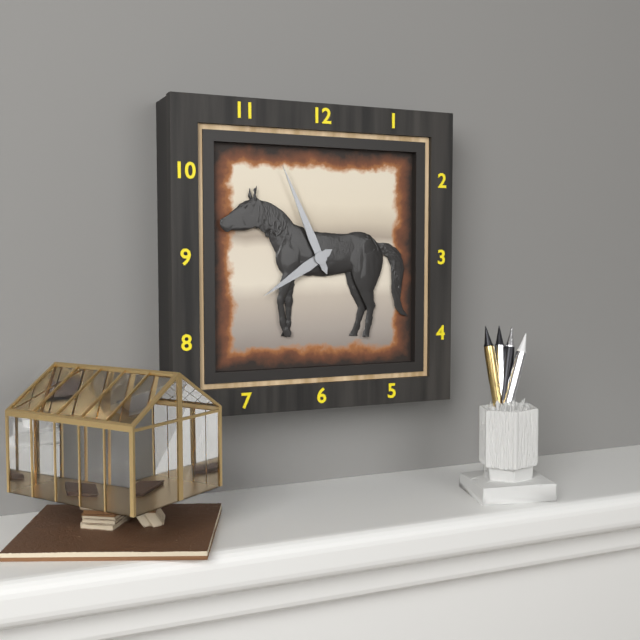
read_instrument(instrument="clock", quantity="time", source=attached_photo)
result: 7:56
